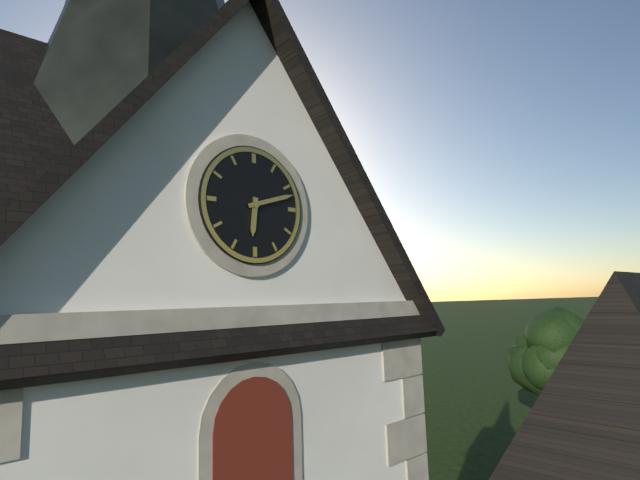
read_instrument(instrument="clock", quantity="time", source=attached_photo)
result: 6:12
